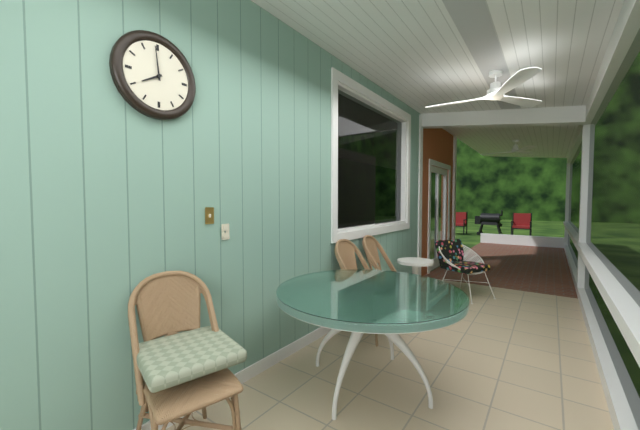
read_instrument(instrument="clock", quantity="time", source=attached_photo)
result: 7:59
